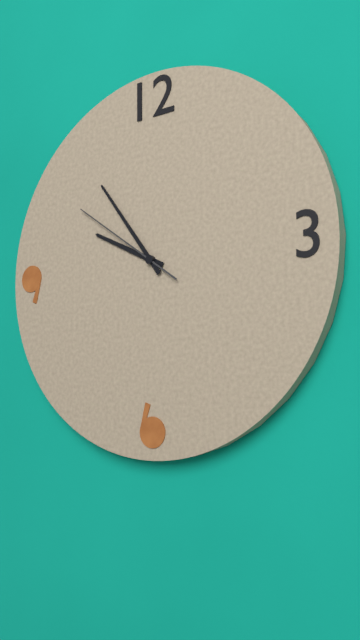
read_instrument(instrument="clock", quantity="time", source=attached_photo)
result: 9:54:51
